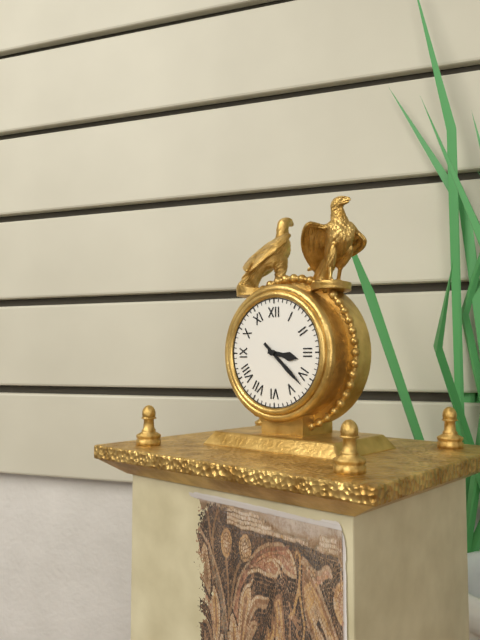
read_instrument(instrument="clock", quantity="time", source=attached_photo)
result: 3:22
